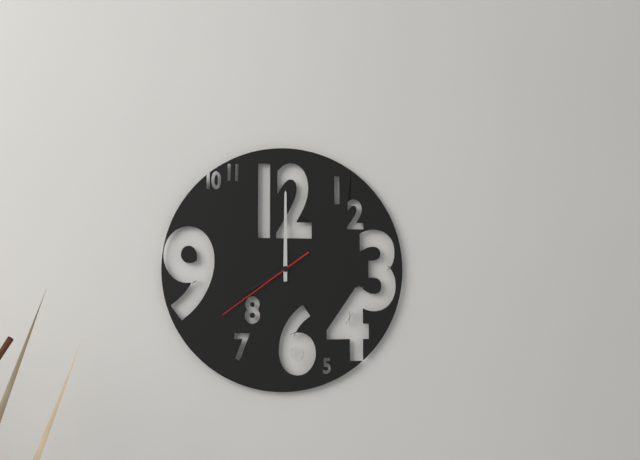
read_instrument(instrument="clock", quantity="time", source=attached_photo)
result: 8:00:39
